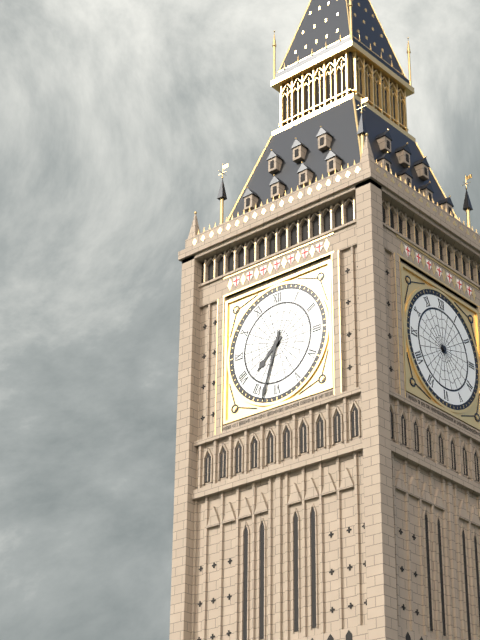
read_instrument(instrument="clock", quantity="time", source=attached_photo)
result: 7:33
